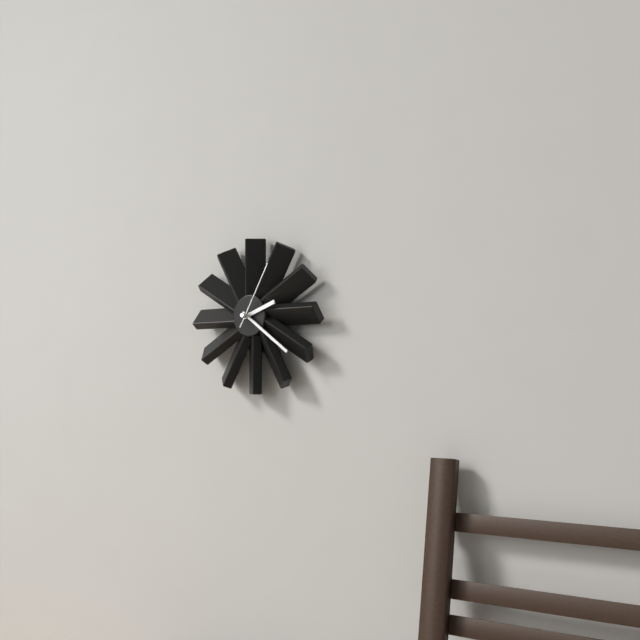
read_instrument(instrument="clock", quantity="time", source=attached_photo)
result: 2:21:05
